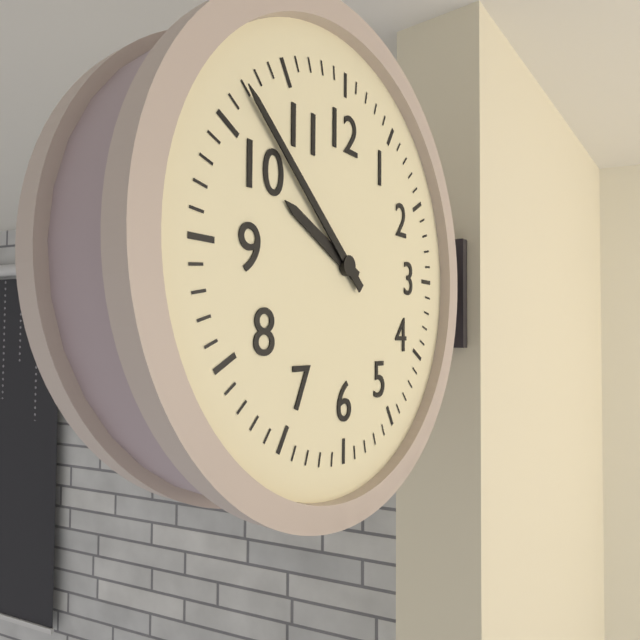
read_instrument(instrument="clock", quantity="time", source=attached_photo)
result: 9:52
